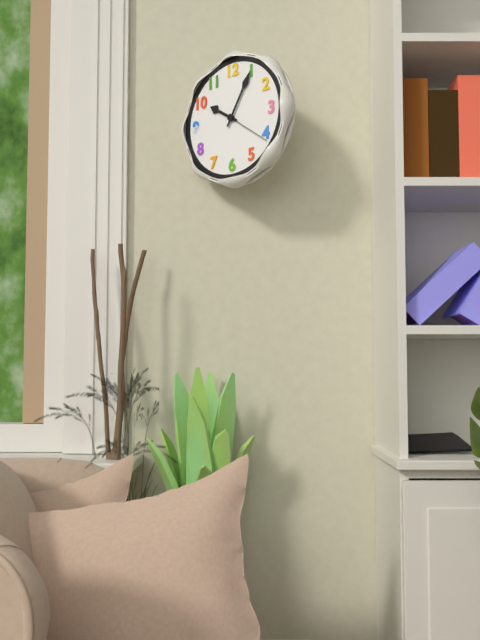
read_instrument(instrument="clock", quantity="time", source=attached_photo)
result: 10:05:21
